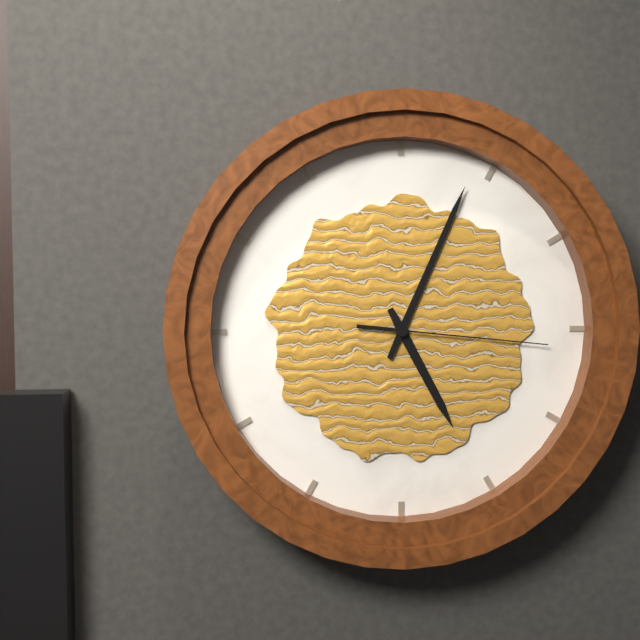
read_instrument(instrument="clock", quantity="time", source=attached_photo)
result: 5:04:16
